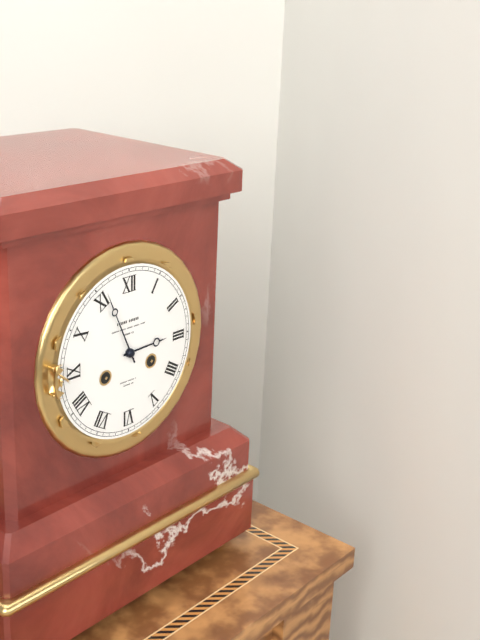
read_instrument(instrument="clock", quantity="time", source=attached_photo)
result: 2:56
